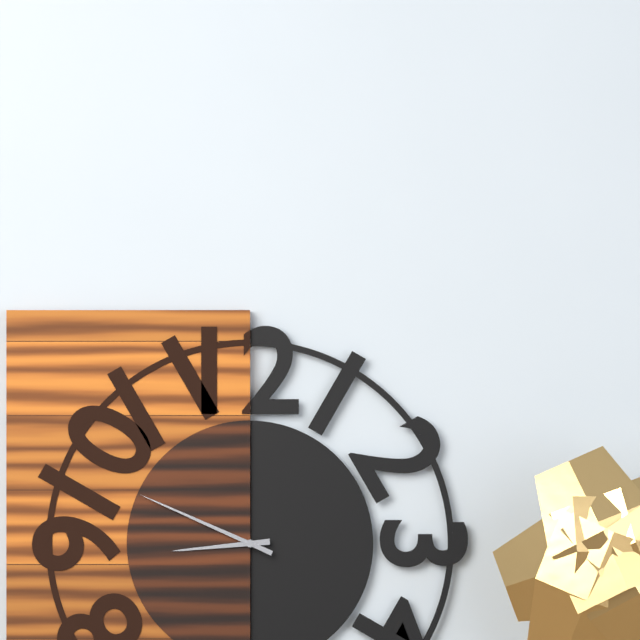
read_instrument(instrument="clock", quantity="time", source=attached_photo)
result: 8:49
